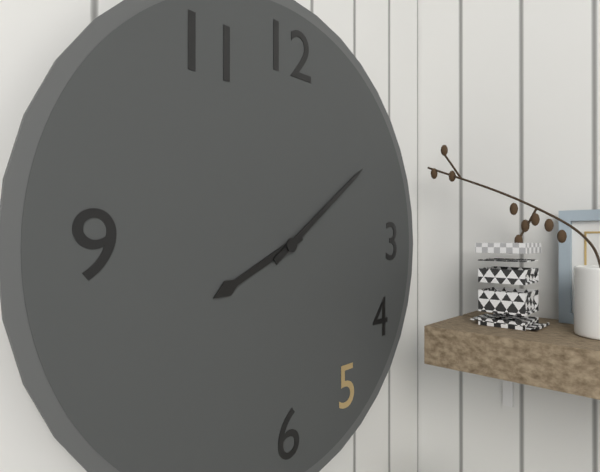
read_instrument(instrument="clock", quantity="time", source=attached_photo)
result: 8:09
